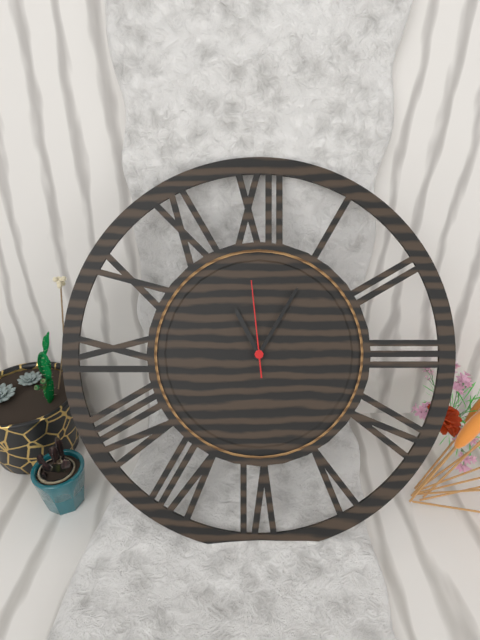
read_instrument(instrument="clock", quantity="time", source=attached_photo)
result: 11:05:59
